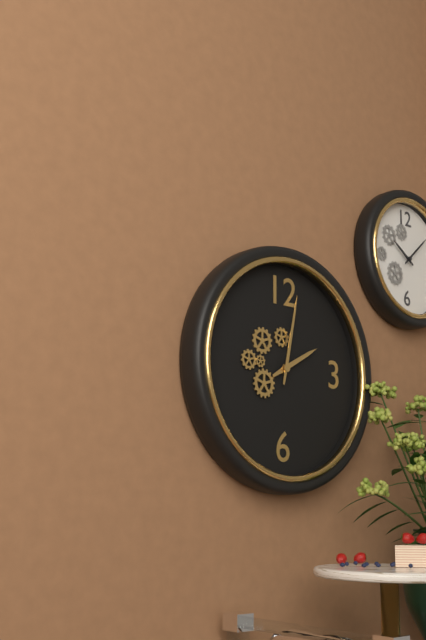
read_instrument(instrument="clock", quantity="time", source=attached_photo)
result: 2:02
